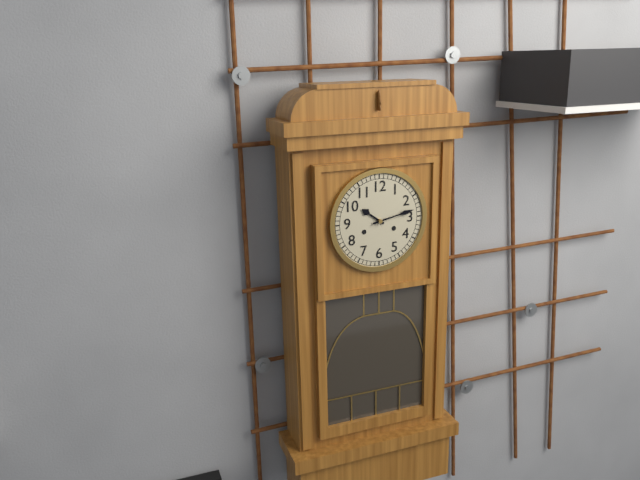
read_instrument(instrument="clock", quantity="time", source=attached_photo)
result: 10:13
